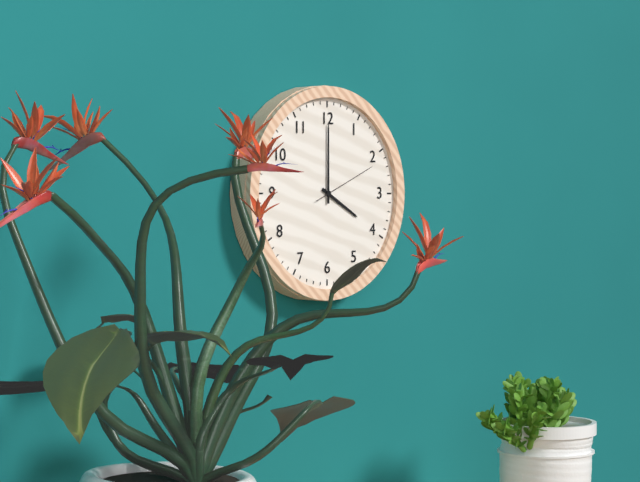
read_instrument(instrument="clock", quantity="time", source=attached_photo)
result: 4:00:11
